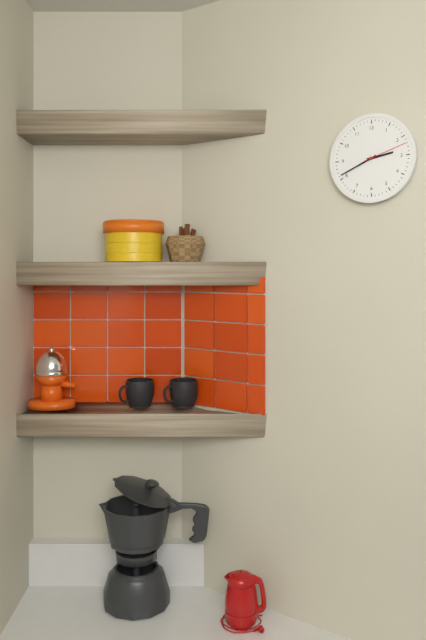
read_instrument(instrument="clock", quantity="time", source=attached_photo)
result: 2:41
